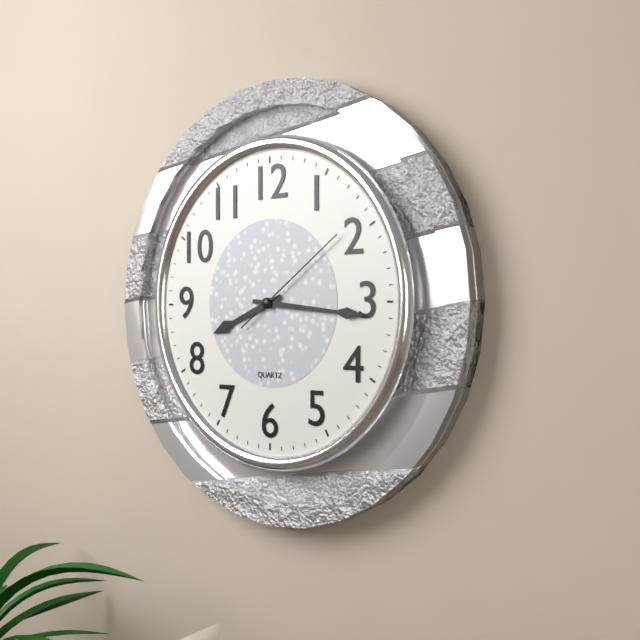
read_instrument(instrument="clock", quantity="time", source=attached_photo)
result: 8:16:09
